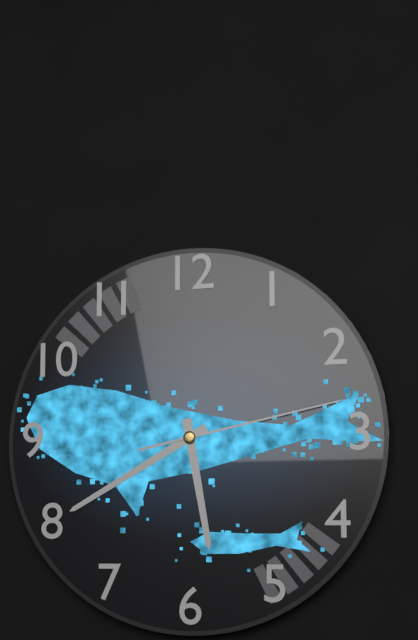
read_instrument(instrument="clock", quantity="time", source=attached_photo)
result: 5:40:13
